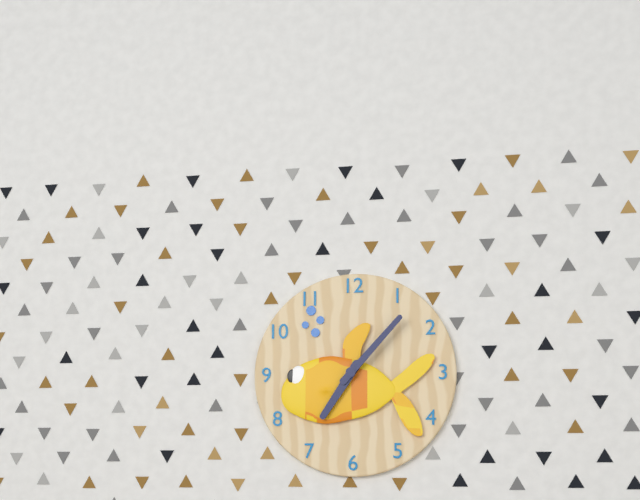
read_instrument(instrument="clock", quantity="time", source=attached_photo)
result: 7:07
